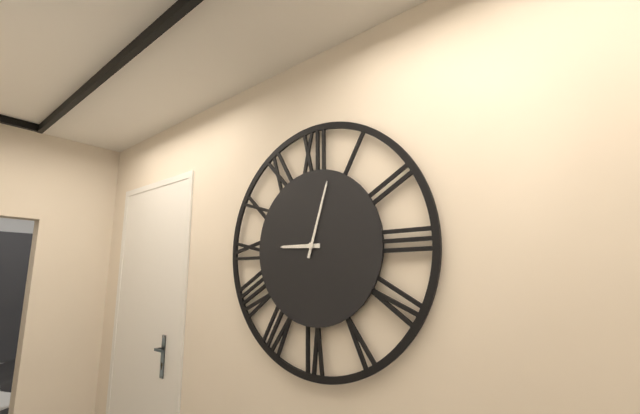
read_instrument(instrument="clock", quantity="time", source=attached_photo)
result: 9:03
